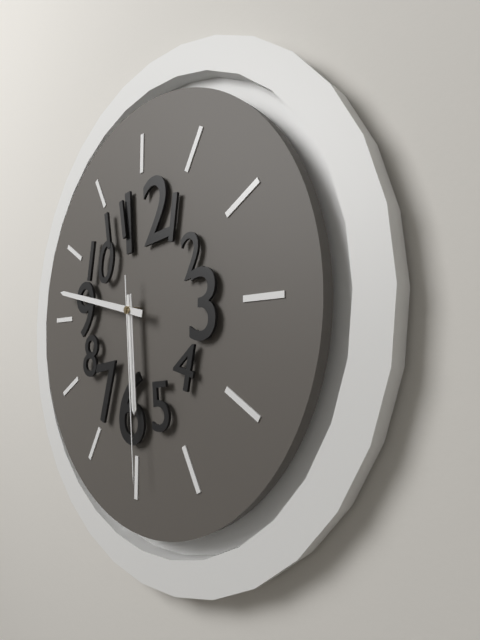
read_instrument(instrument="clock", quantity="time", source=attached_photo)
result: 5:47:29
